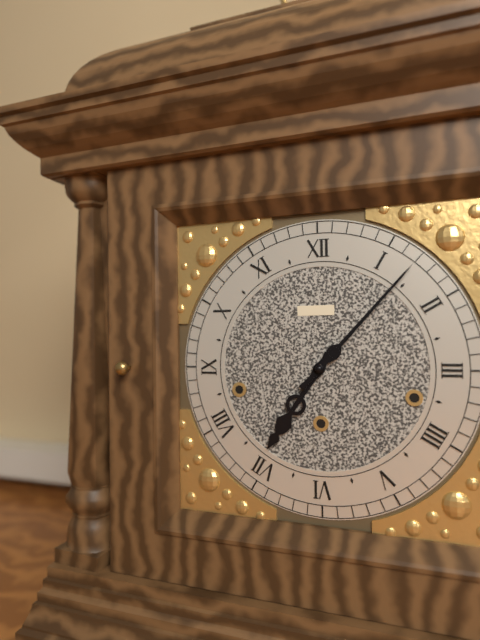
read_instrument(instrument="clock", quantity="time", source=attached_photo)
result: 7:07
